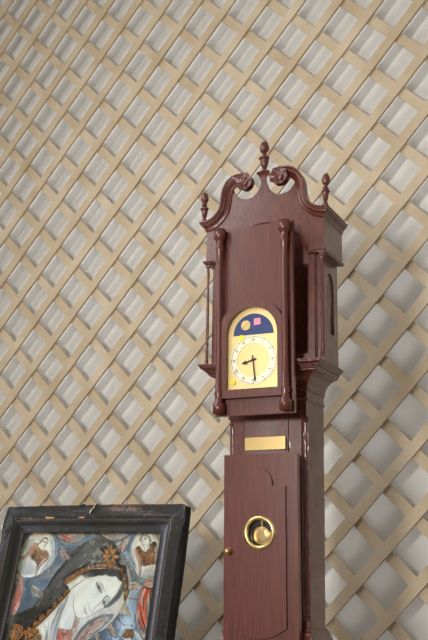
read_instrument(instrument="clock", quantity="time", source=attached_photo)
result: 8:29
